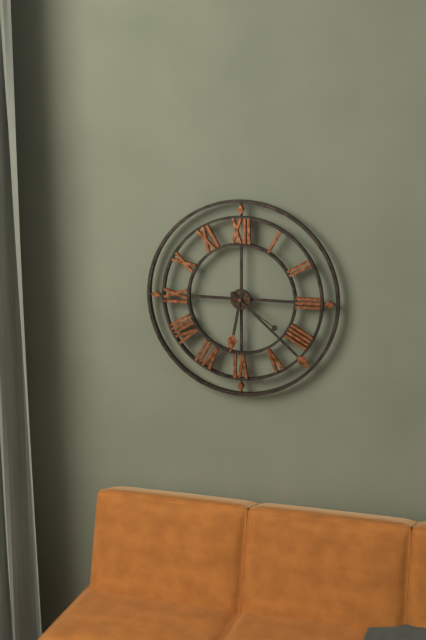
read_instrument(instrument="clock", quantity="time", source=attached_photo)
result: 6:22:21
